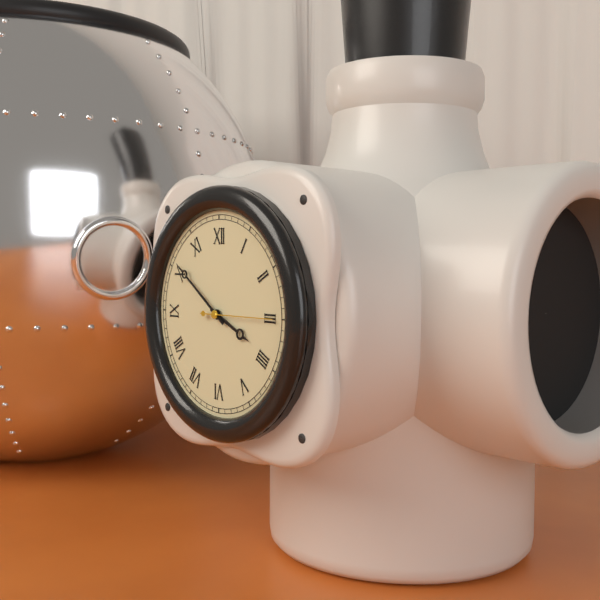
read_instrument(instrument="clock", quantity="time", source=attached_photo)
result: 3:51:15
